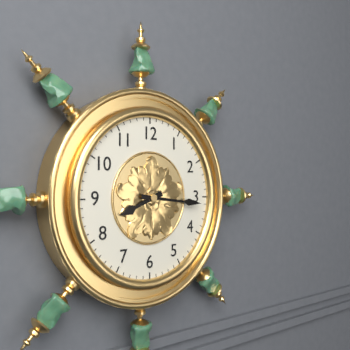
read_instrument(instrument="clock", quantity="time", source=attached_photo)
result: 8:16
